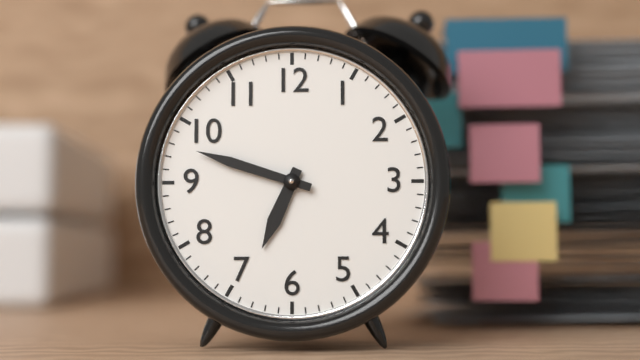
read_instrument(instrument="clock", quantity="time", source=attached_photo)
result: 6:48
